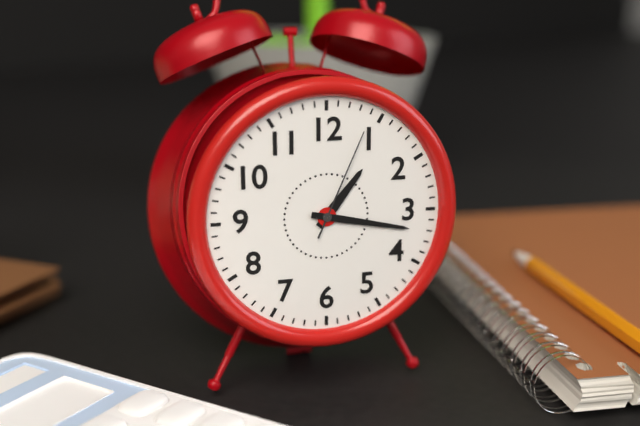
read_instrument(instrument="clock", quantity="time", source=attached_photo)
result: 1:17:04
